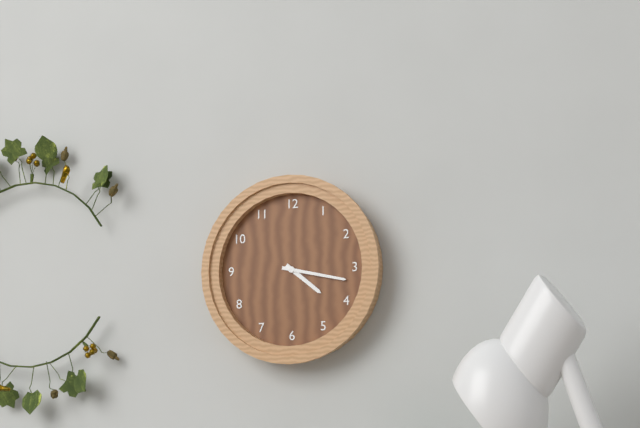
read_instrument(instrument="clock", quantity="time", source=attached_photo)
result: 4:17
